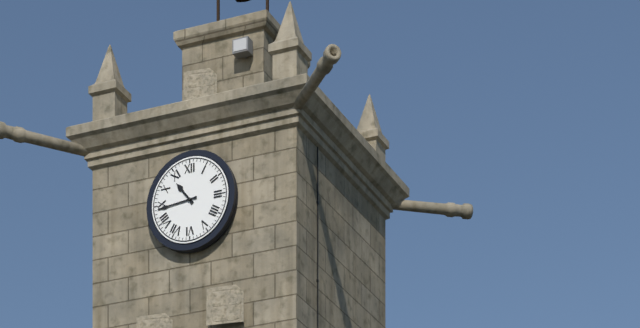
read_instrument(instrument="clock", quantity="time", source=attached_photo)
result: 10:44
